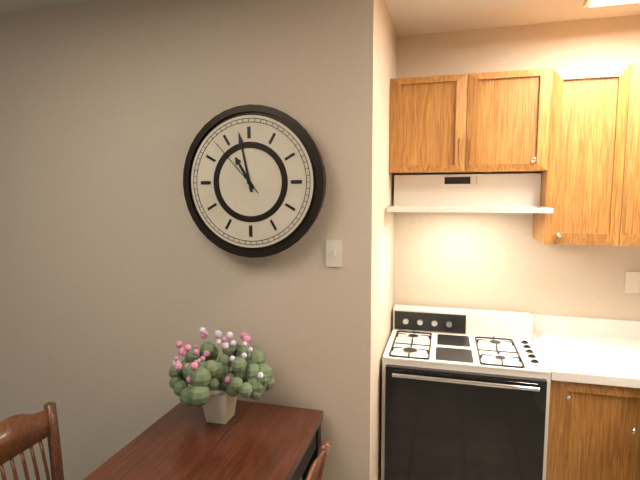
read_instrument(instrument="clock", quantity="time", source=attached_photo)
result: 10:58:53
